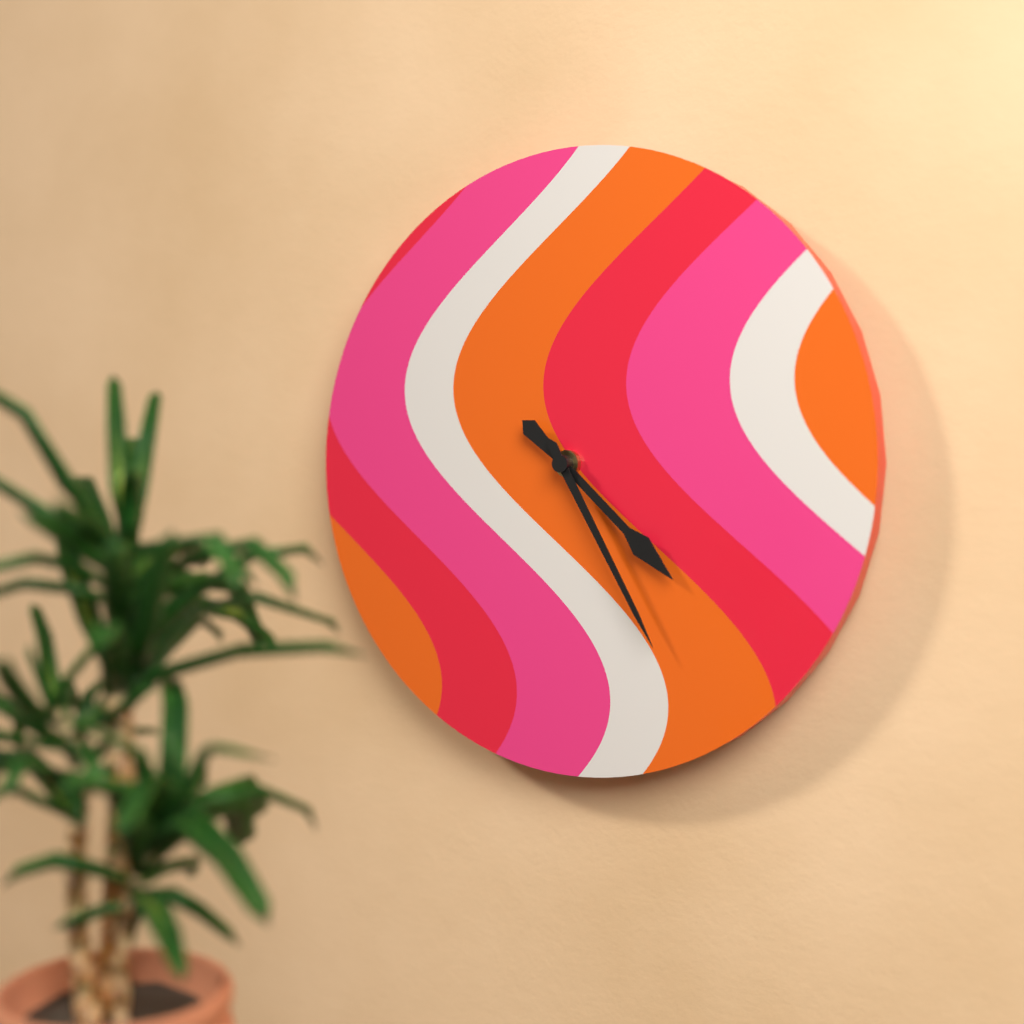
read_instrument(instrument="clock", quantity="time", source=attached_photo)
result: 4:25
